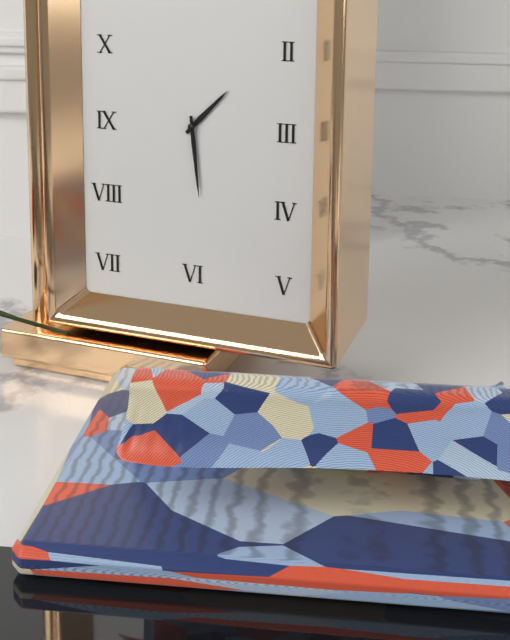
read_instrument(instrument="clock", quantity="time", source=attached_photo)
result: 1:29
